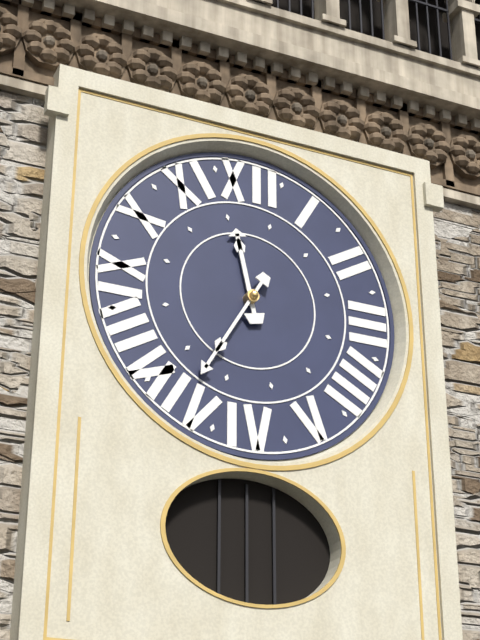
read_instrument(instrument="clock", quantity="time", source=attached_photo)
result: 11:35
